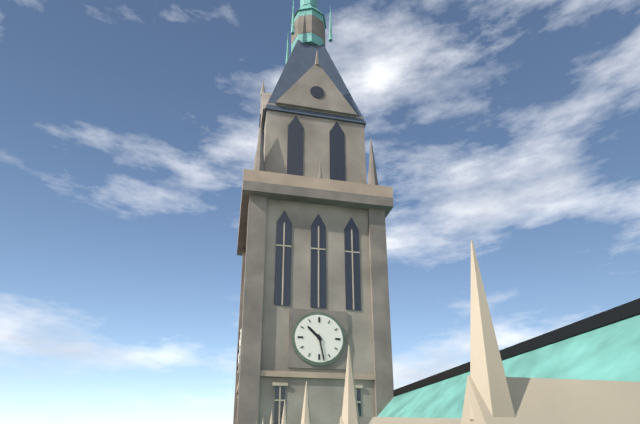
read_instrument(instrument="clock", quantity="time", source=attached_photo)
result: 10:28
